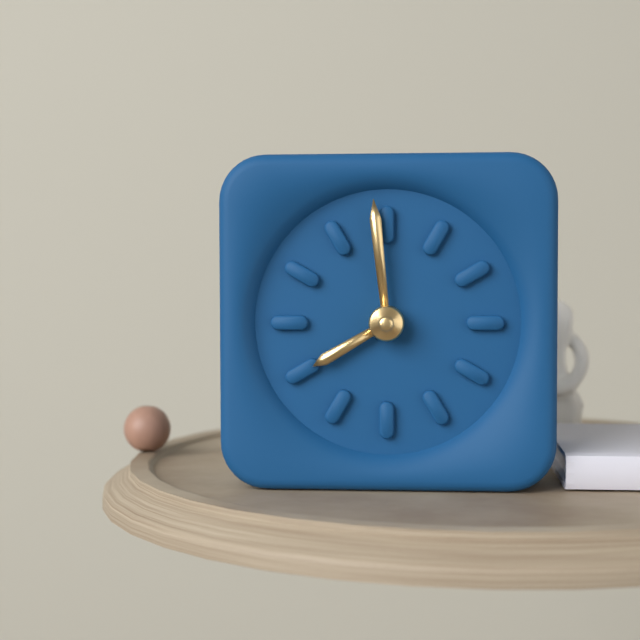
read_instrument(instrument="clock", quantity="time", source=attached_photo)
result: 7:59
